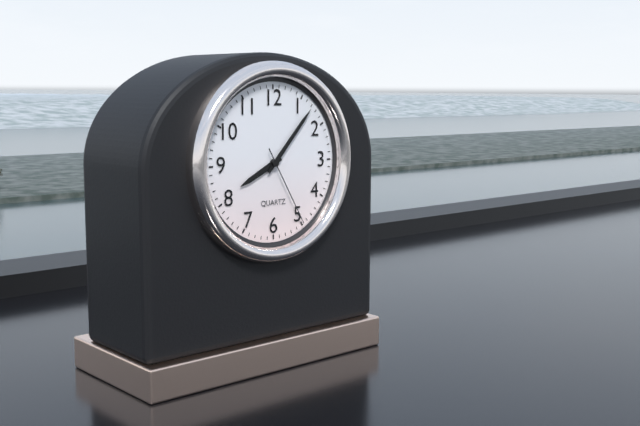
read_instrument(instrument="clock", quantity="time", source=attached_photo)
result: 8:07:25
